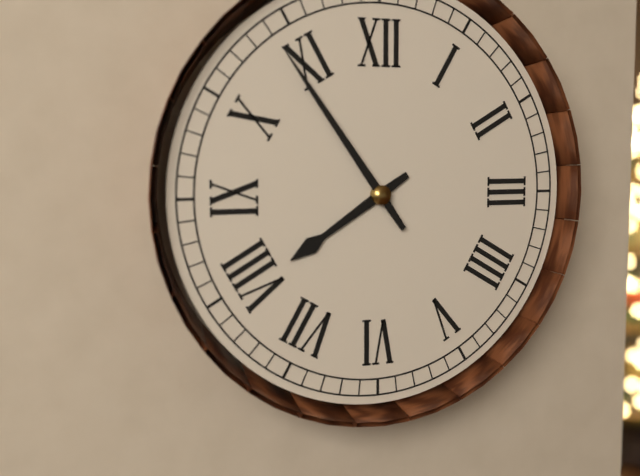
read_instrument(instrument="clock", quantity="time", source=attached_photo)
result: 7:54
